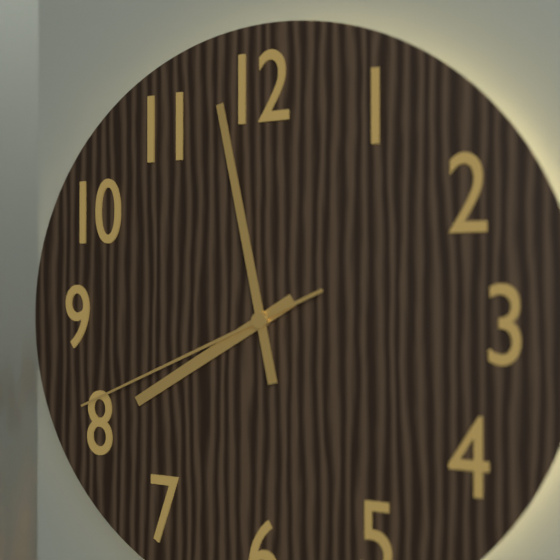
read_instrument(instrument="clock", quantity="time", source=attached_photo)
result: 7:58:41
